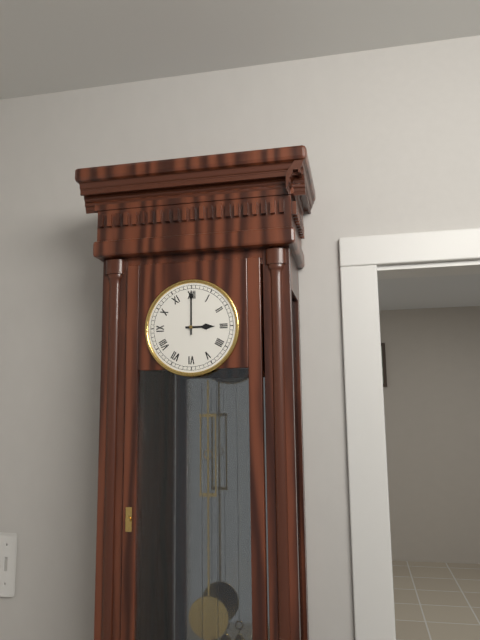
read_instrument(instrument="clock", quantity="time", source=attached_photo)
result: 3:00
